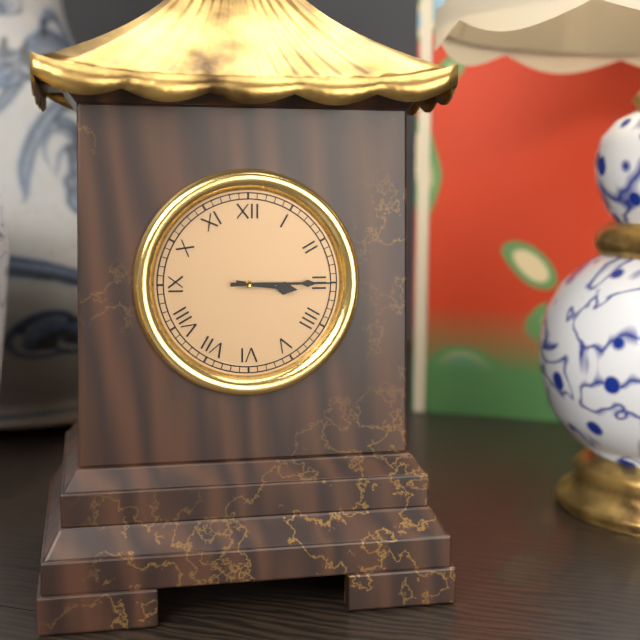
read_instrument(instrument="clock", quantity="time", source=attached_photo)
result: 3:15
